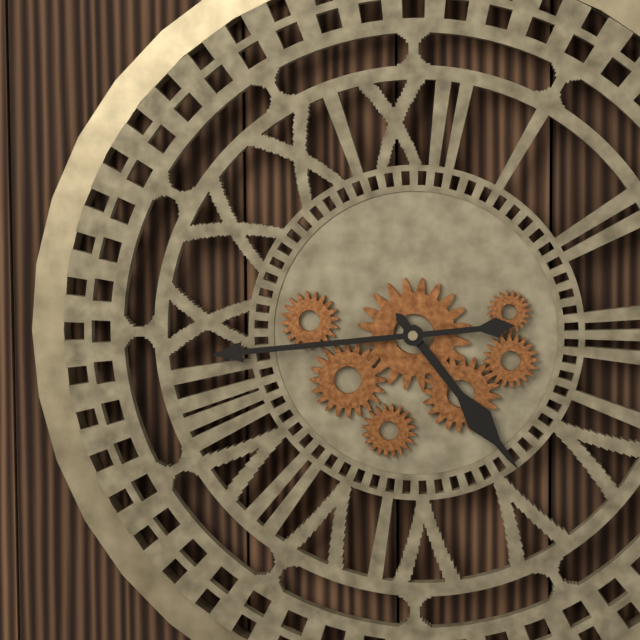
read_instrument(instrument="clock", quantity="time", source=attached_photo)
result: 4:44
